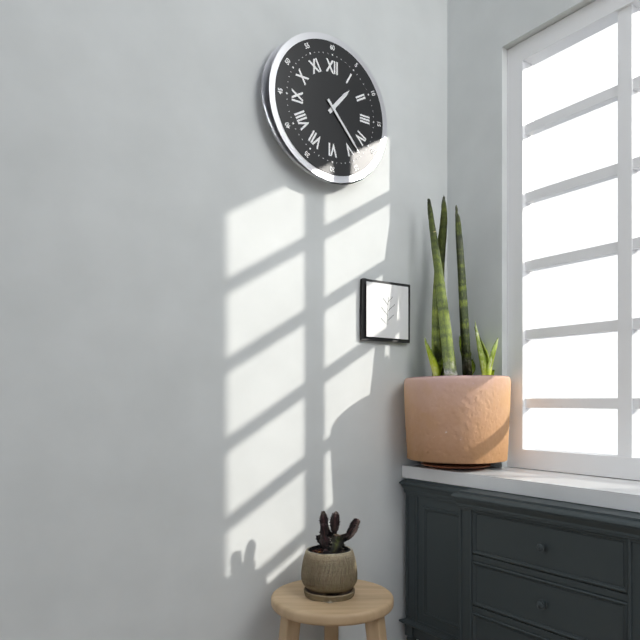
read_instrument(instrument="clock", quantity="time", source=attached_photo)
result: 1:23
